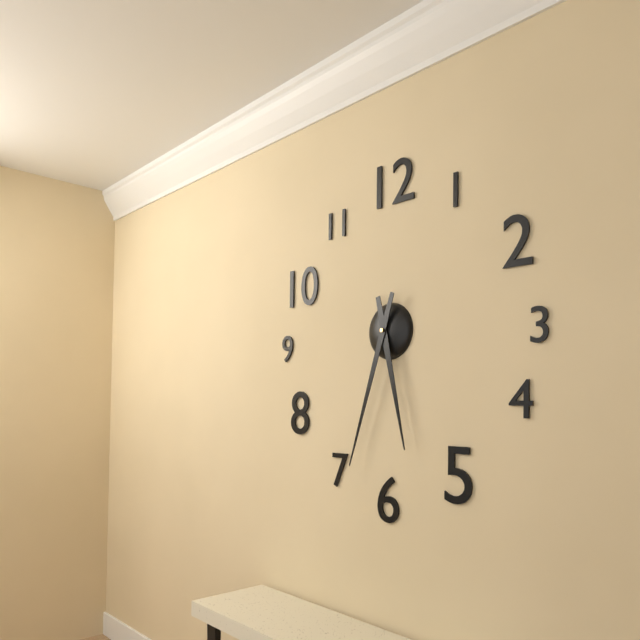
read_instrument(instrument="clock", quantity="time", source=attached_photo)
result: 5:33
